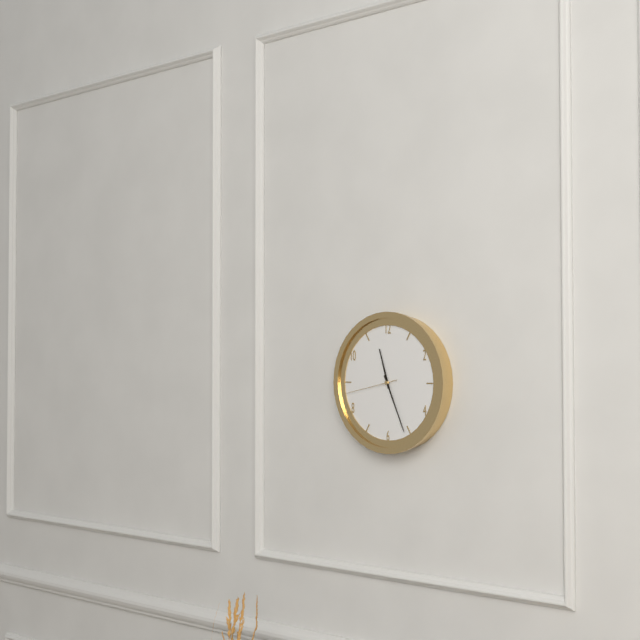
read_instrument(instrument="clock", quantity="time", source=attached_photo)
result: 11:26:43
